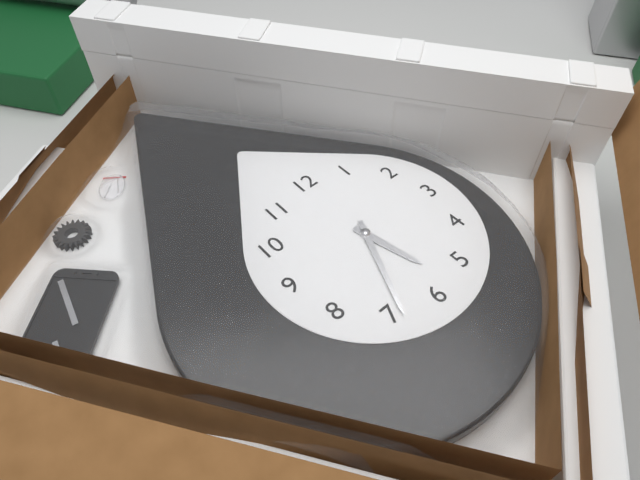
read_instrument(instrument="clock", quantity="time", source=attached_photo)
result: 5:34
